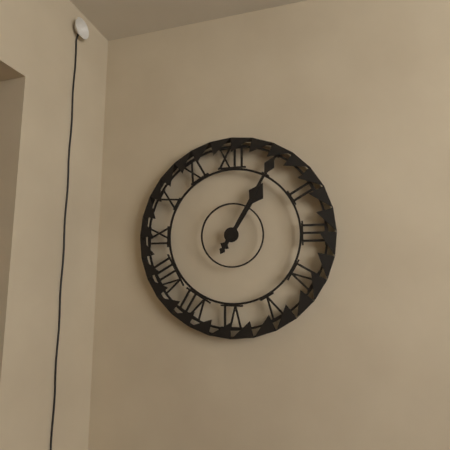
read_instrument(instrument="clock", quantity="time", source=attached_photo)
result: 1:05
